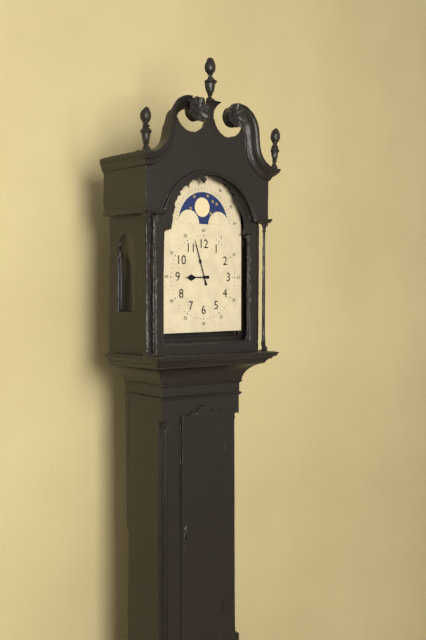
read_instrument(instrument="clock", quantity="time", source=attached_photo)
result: 8:57
